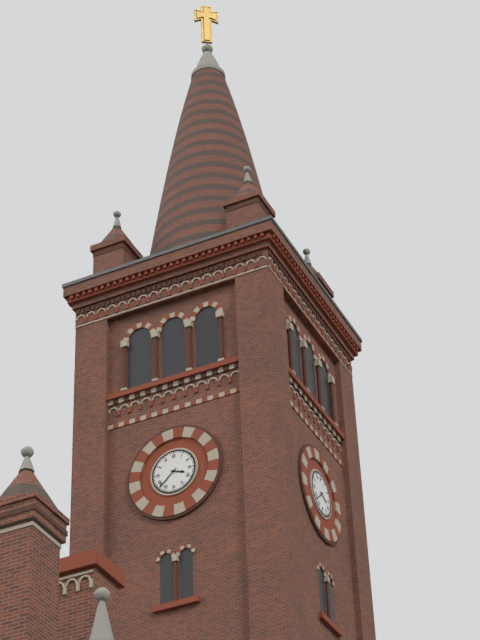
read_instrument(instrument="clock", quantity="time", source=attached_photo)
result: 3:38
